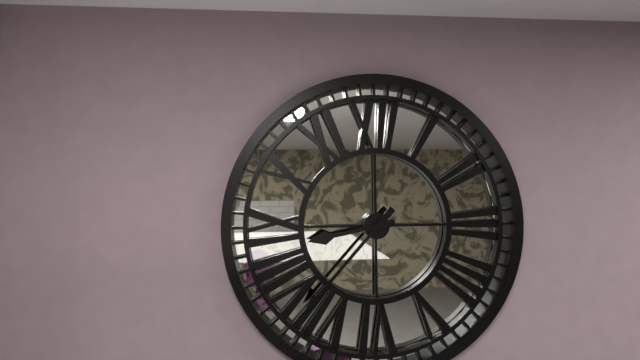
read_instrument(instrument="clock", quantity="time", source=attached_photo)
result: 8:37
